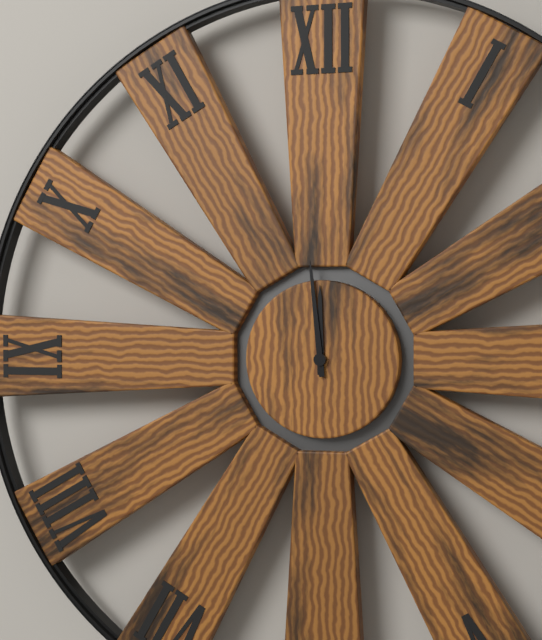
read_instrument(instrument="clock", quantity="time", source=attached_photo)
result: 11:59
